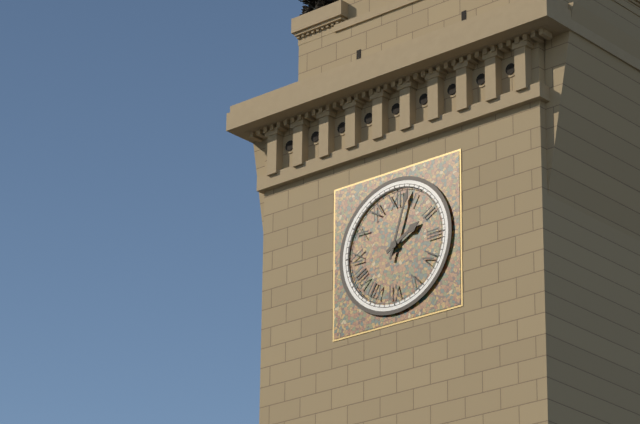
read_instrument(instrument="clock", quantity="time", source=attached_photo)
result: 2:03
